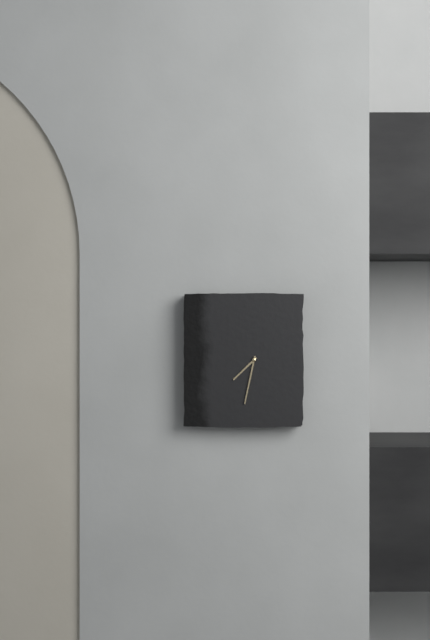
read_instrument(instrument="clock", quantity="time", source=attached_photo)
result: 7:32
